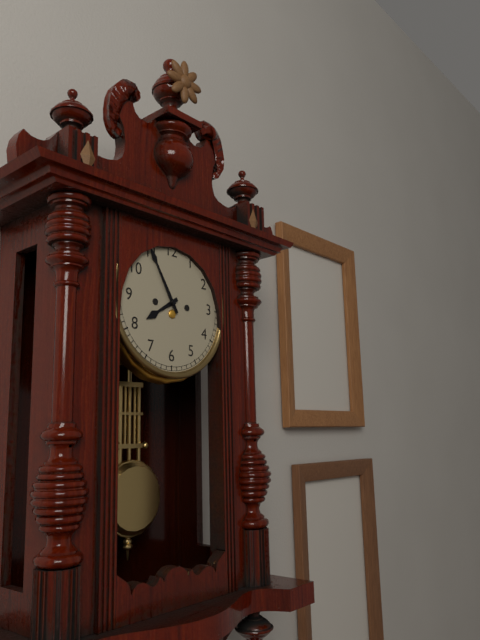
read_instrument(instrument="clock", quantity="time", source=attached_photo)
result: 7:55
